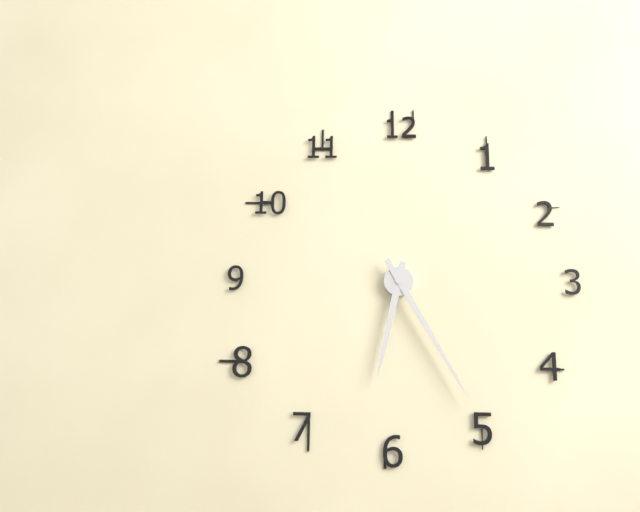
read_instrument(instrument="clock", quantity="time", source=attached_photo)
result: 6:25
